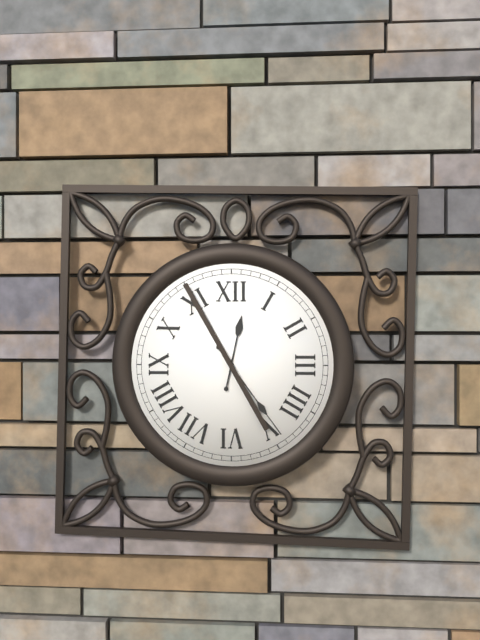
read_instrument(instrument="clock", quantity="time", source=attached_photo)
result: 12:24
